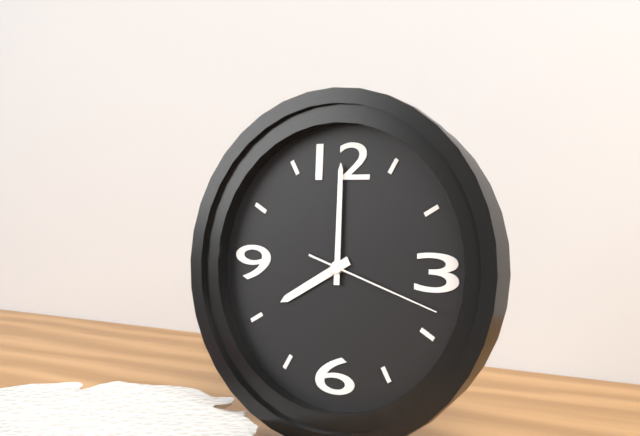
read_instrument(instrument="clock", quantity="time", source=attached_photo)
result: 8:00:18
